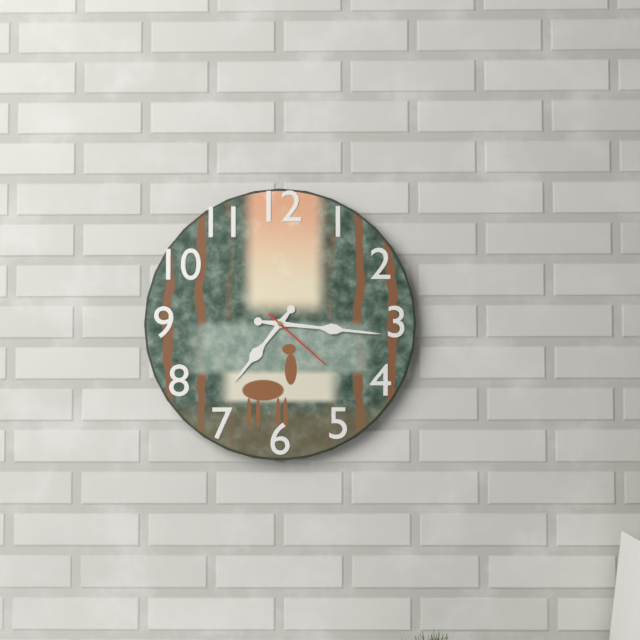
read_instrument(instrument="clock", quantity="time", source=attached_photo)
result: 7:16:22
